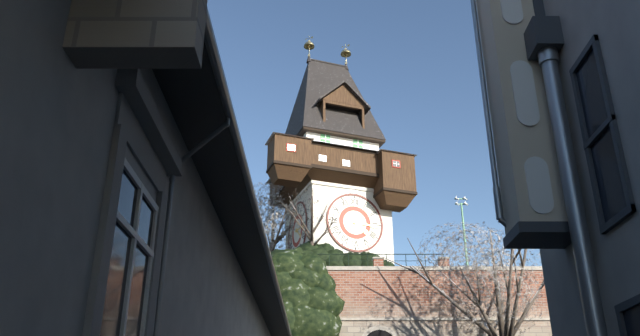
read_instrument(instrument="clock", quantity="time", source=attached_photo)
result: 4:16
